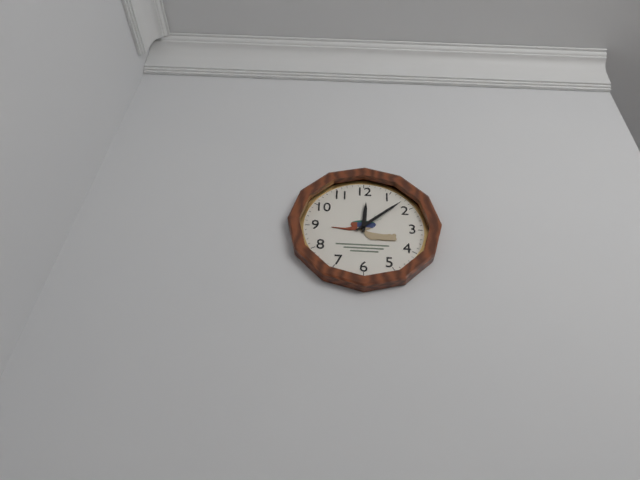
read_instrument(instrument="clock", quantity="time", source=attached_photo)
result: 12:08
